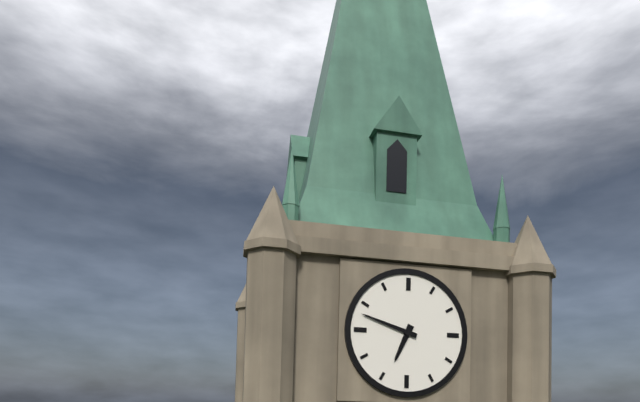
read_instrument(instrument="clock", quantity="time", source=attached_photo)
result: 6:48
